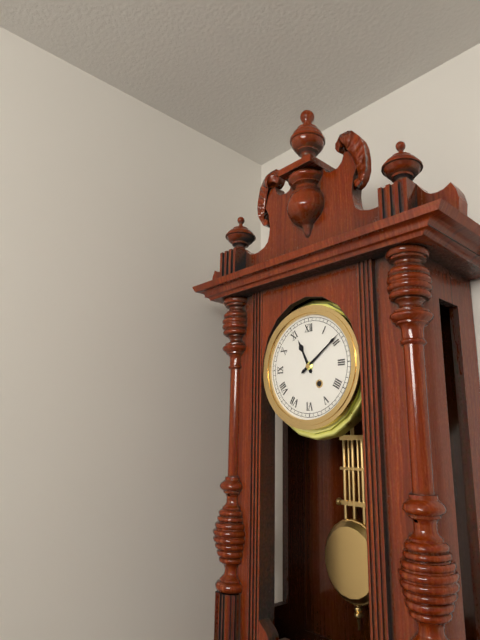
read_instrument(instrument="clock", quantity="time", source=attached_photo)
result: 11:09
